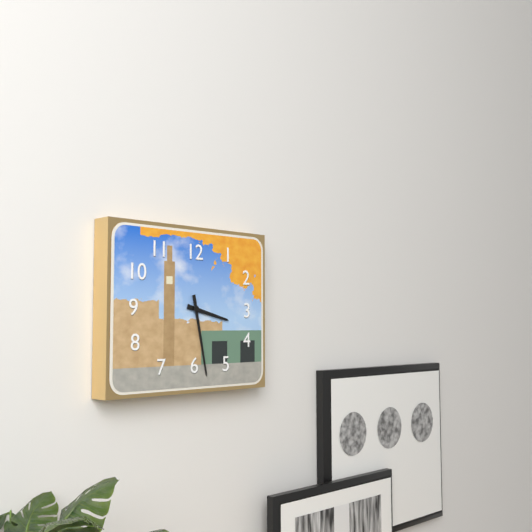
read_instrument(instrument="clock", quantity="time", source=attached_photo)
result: 3:28
